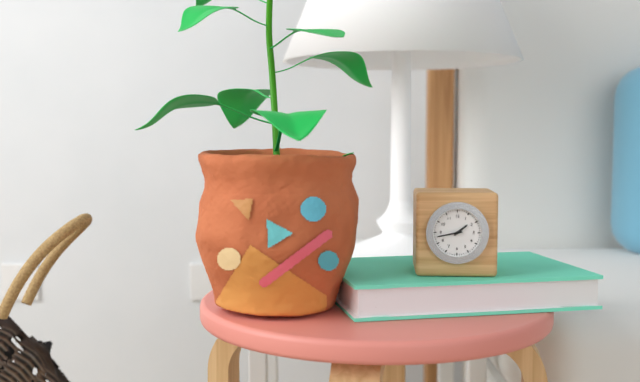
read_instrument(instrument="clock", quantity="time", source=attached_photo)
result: 1:43
